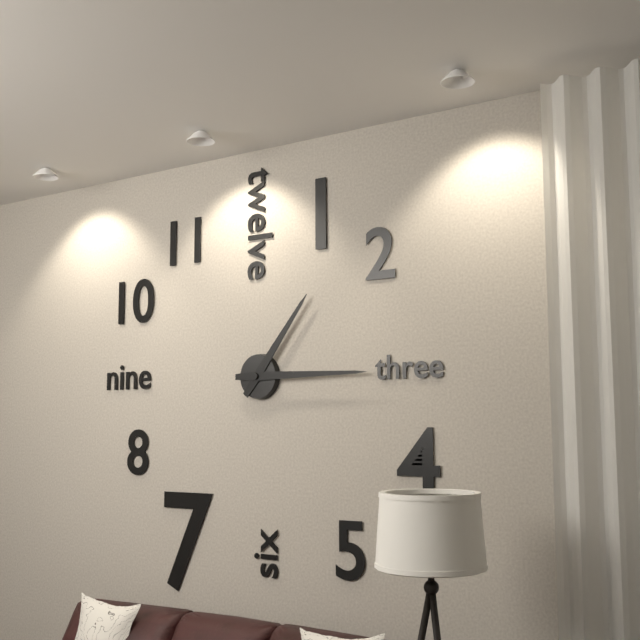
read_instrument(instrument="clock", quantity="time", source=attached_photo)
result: 1:15
